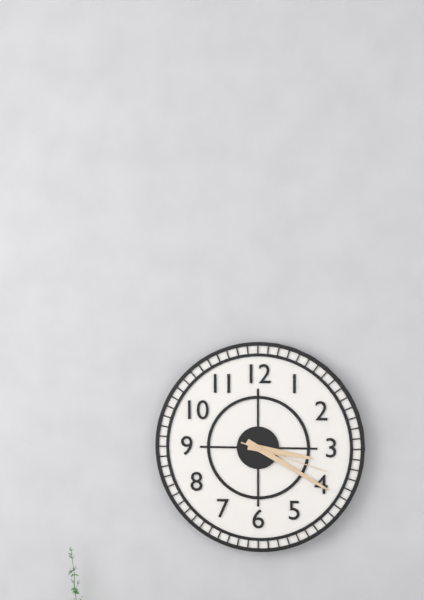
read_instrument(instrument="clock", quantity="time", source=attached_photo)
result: 3:20:18
